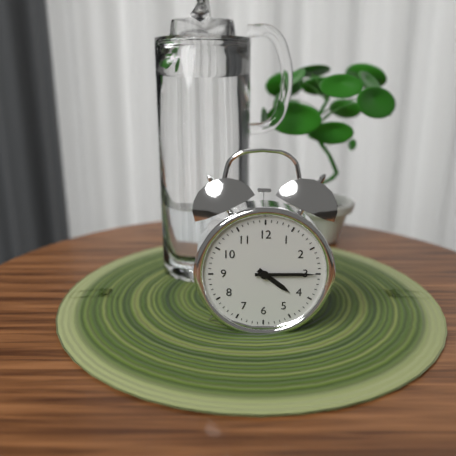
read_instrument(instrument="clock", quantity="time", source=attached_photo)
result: 4:15
